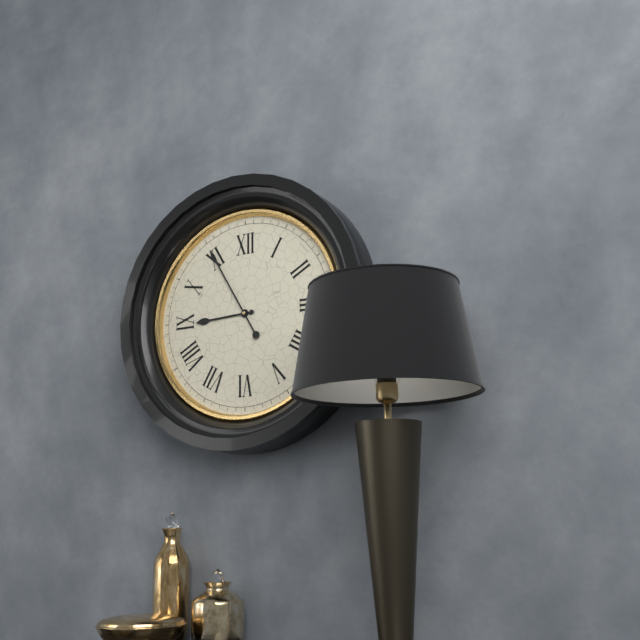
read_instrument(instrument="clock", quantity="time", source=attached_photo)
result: 8:55
